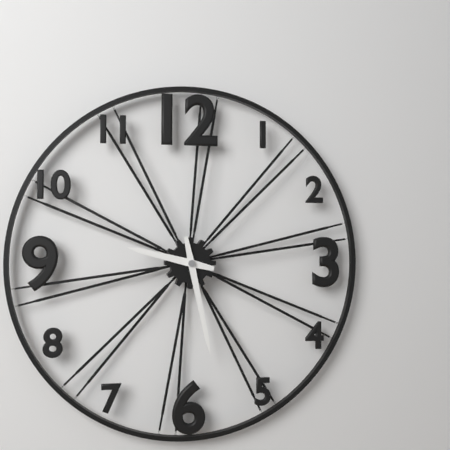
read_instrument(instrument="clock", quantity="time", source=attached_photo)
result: 9:28
